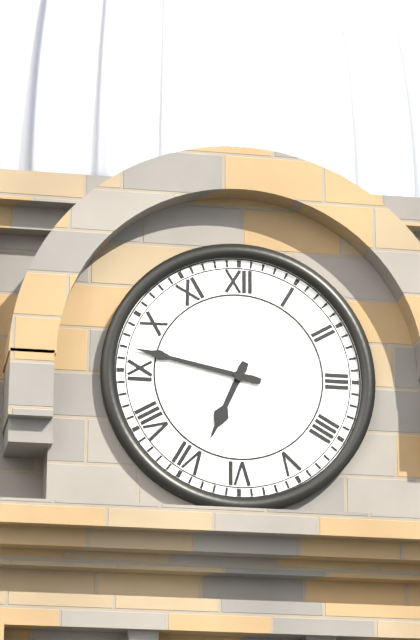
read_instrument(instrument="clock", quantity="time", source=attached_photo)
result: 6:47
